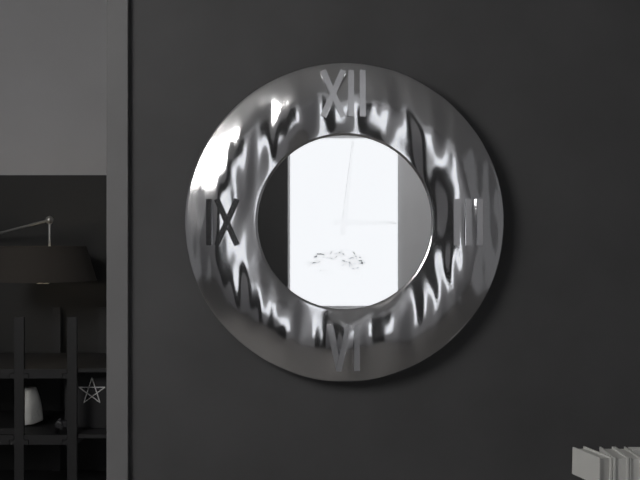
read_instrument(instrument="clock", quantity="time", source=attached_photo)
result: 3:01
